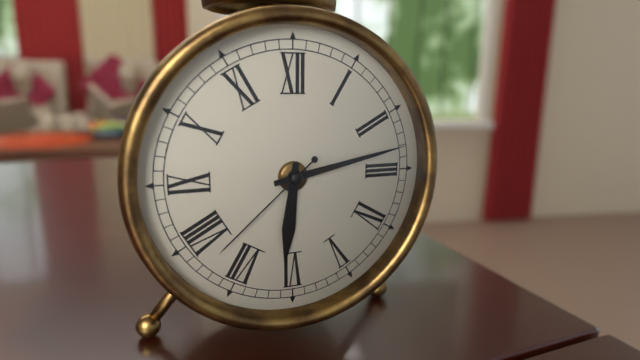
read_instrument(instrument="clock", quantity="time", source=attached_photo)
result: 6:13:38
